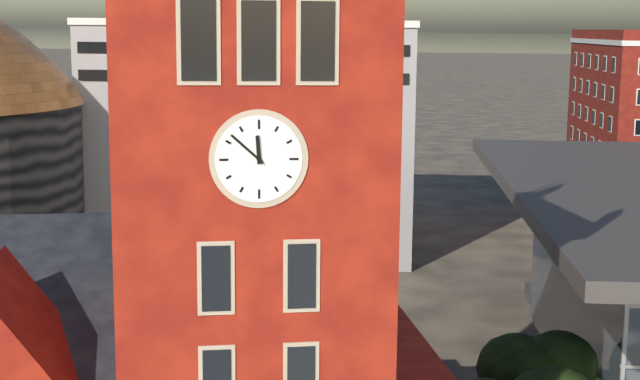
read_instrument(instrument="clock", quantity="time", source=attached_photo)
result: 11:52
